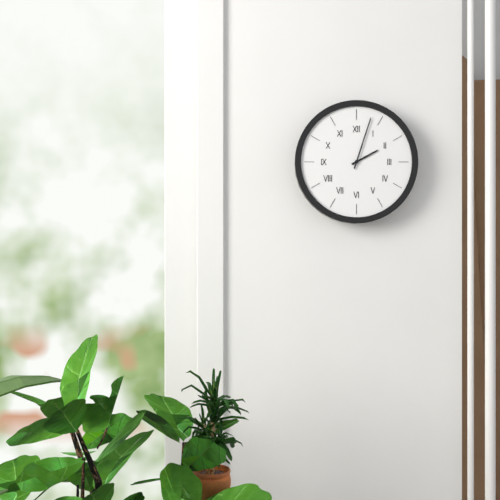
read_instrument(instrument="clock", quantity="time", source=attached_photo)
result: 2:03
